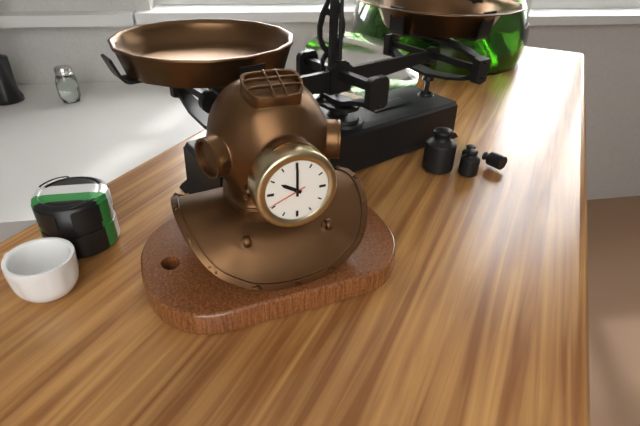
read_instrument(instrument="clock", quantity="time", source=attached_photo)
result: 10:00
